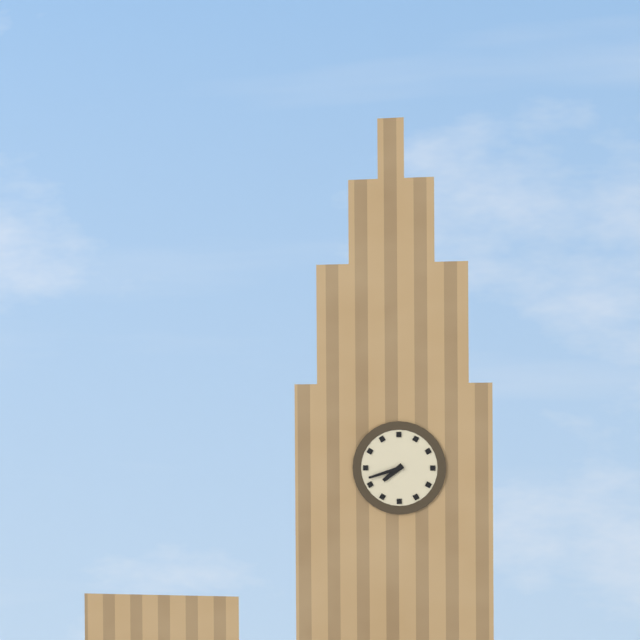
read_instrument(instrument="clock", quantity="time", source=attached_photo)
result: 7:42
